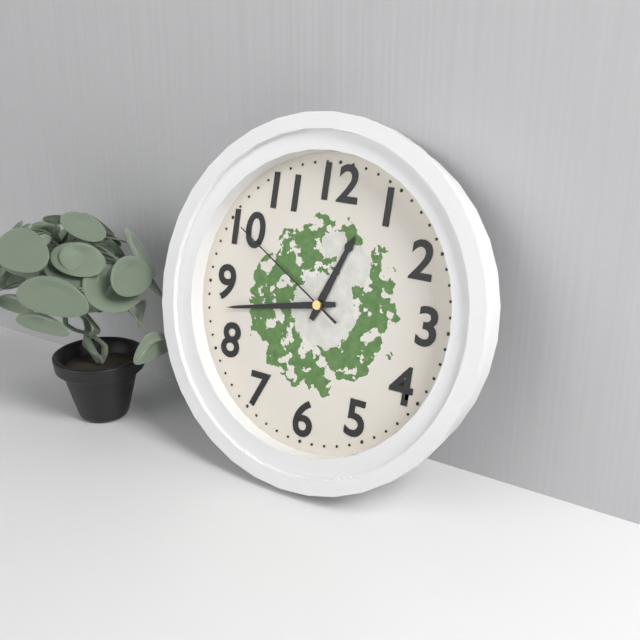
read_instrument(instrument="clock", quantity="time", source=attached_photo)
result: 12:43:50
